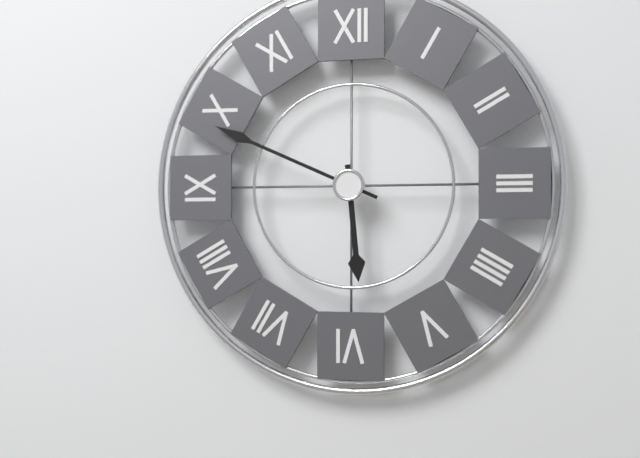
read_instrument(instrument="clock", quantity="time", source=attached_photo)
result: 5:49
